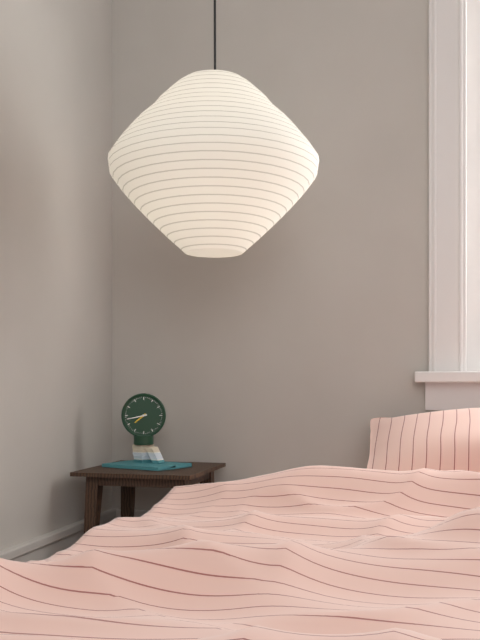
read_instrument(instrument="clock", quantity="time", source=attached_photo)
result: 7:43
